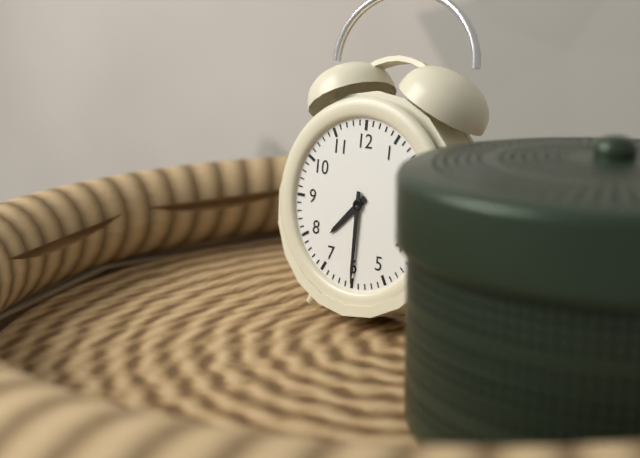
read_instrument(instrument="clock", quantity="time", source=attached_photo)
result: 7:30
